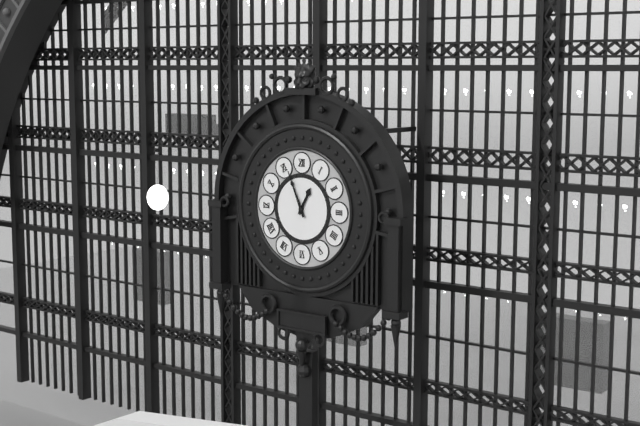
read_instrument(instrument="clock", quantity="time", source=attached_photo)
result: 12:56
